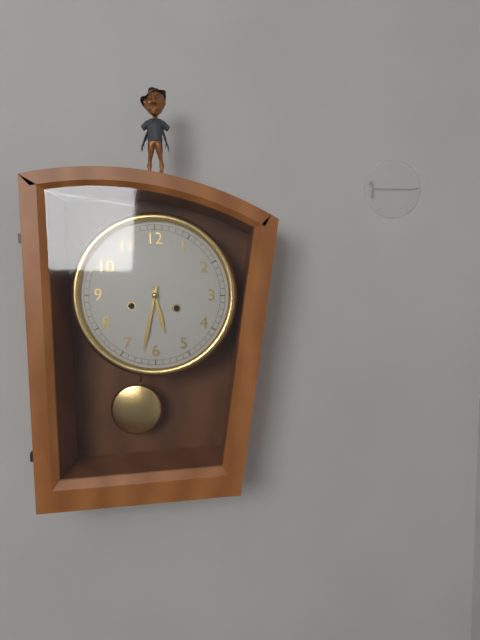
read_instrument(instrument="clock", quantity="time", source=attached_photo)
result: 5:32
